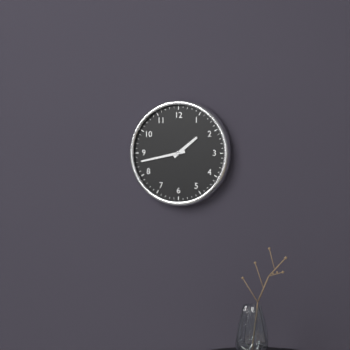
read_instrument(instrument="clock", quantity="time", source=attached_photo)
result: 1:43
